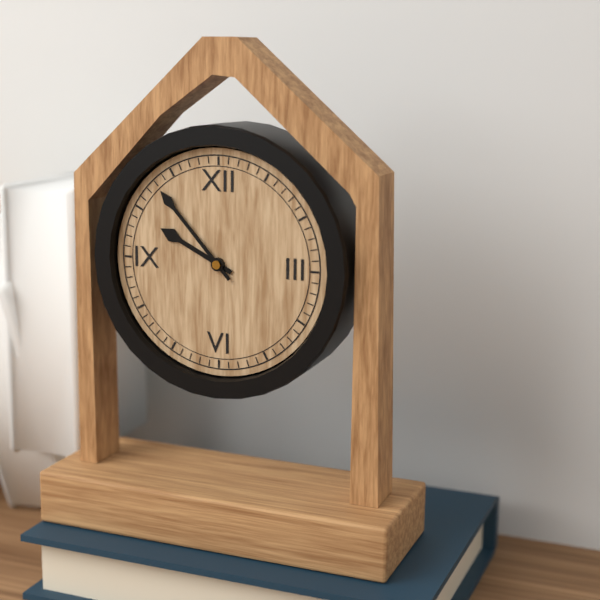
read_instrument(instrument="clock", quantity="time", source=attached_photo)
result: 9:53
